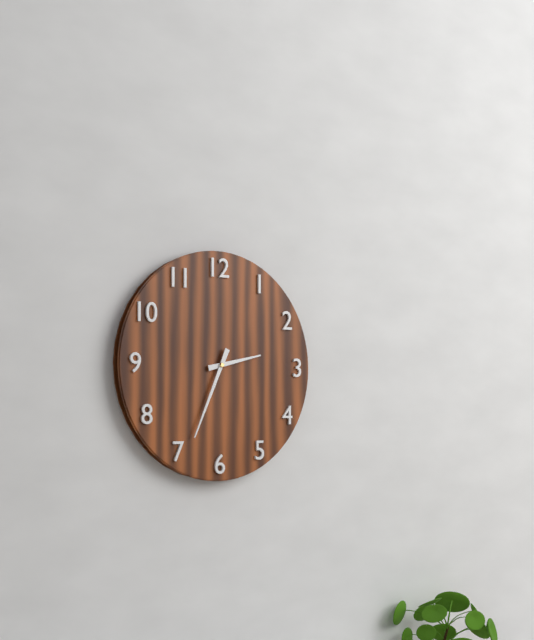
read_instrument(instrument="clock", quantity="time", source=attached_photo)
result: 2:34
